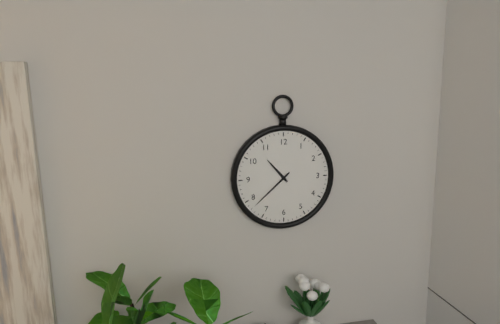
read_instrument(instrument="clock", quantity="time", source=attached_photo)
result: 10:38
